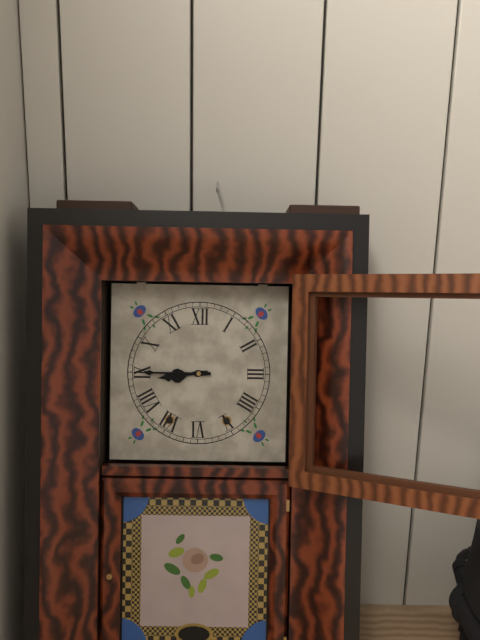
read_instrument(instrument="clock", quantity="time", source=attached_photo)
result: 8:45
